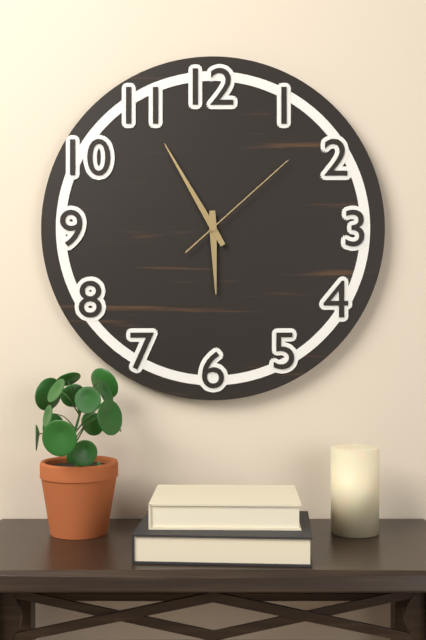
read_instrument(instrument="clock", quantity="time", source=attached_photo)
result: 5:55:08
